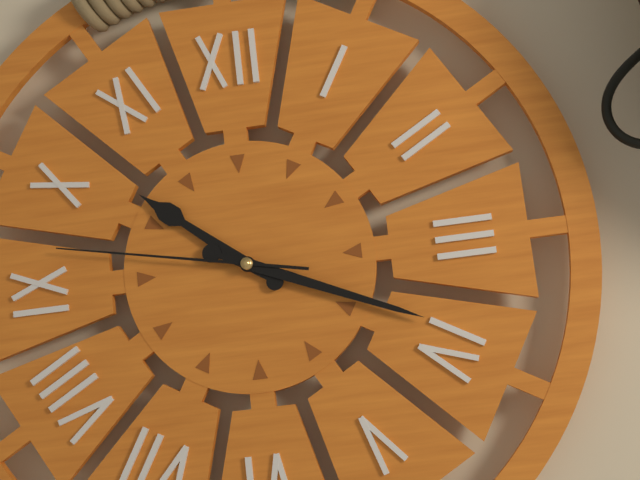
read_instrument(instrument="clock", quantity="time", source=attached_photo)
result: 10:19:47
